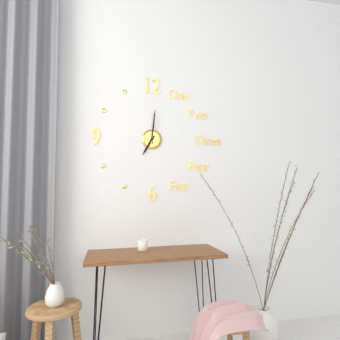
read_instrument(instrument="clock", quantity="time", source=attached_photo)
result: 7:01
